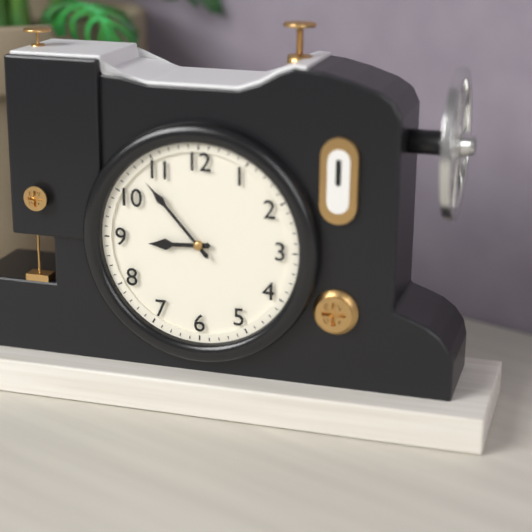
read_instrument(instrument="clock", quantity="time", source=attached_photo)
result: 8:53
